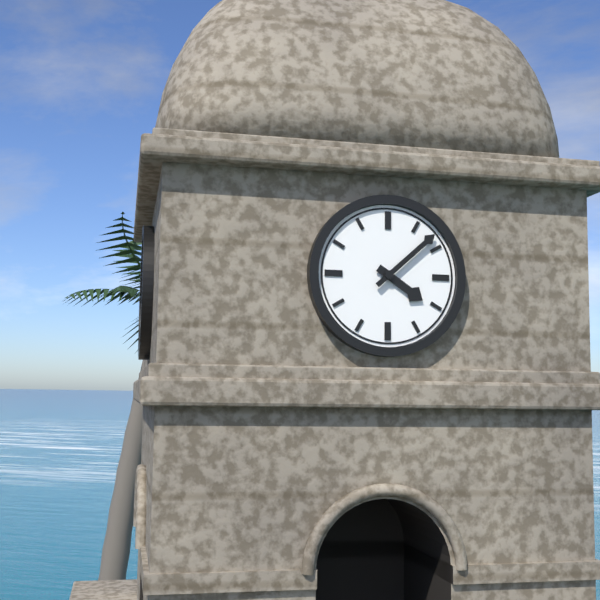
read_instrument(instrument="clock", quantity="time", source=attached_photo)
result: 4:08
